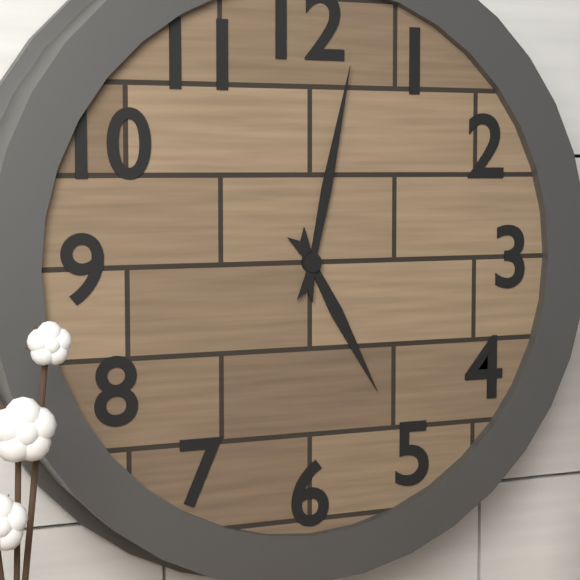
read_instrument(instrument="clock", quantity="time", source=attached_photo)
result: 5:02
